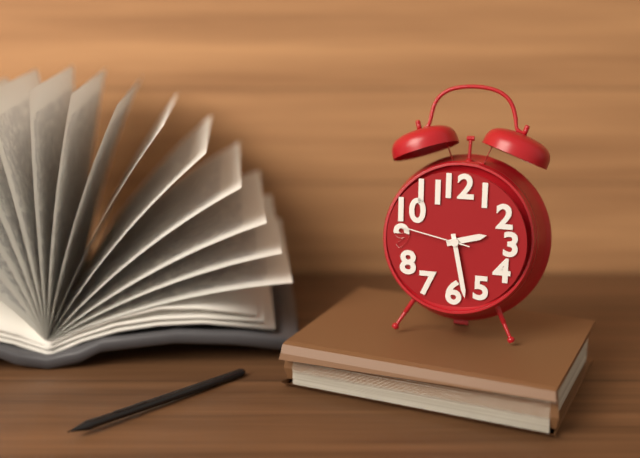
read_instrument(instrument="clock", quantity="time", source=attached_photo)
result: 2:28:47
